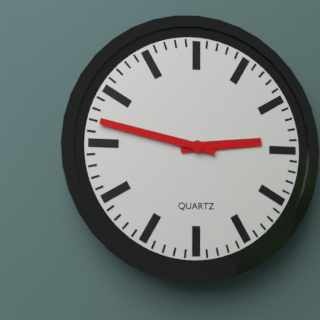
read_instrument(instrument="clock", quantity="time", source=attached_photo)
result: 2:47
